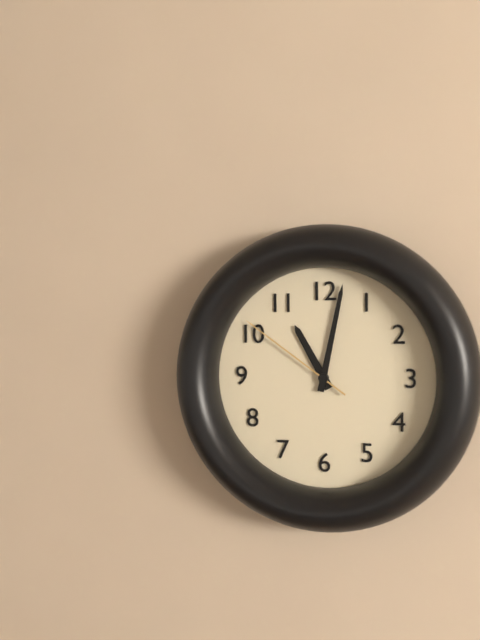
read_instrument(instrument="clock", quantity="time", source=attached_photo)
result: 11:02:51
